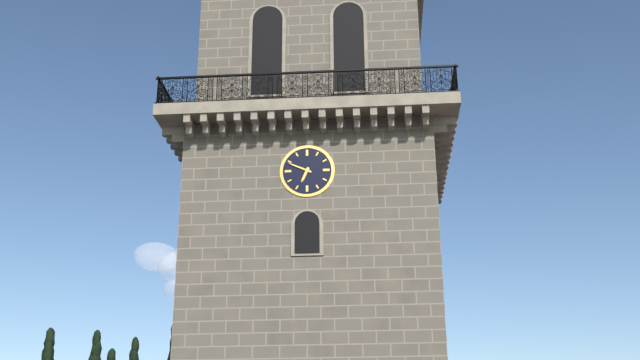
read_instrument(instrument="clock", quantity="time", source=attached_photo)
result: 6:49
